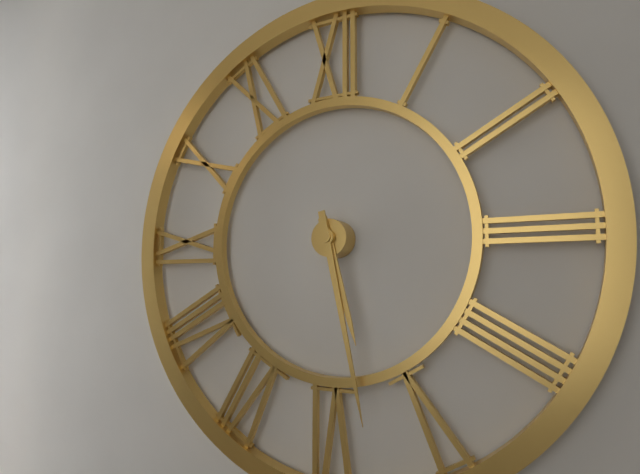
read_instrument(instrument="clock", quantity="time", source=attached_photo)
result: 5:28
